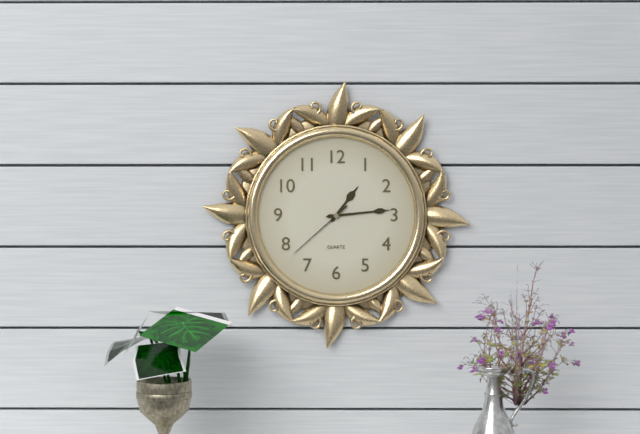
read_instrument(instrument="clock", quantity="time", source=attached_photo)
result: 1:14:38
